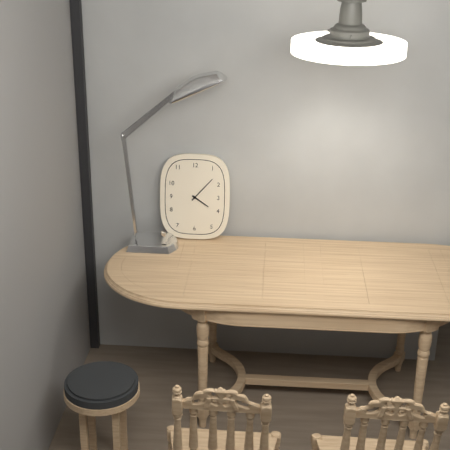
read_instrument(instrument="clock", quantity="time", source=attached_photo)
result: 4:07
